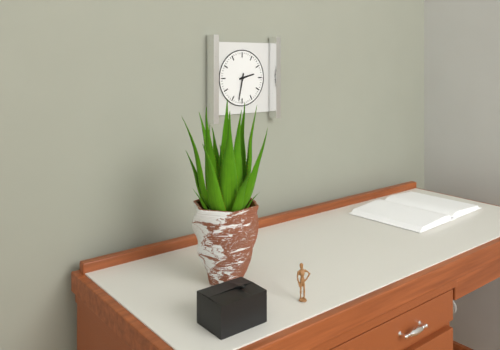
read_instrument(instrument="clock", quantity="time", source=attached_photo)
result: 2:32
